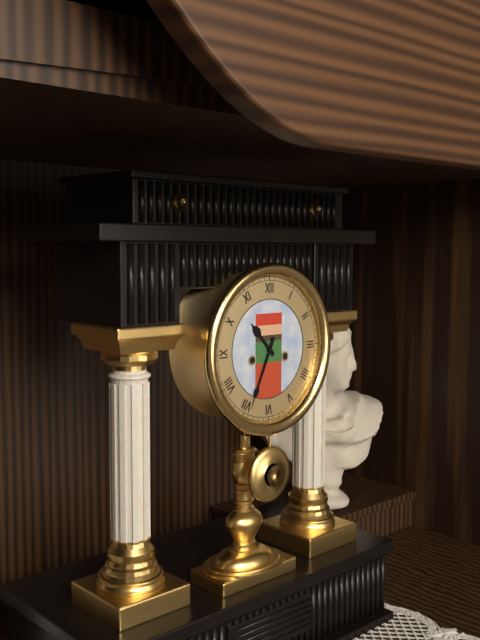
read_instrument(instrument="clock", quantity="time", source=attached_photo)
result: 10:34
